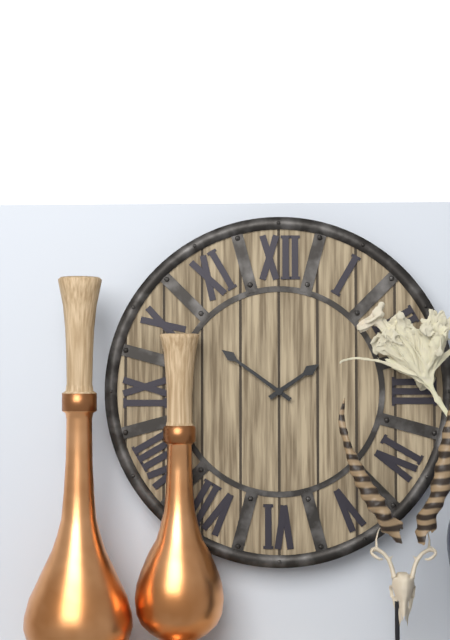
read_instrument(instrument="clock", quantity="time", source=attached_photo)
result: 1:51
